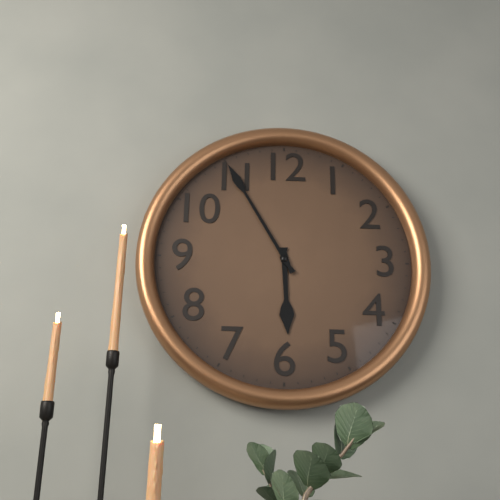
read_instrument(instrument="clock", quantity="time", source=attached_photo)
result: 5:55
